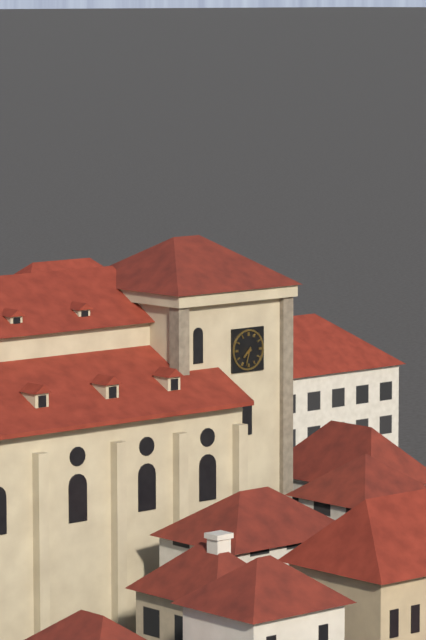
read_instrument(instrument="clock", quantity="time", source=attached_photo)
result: 7:33
